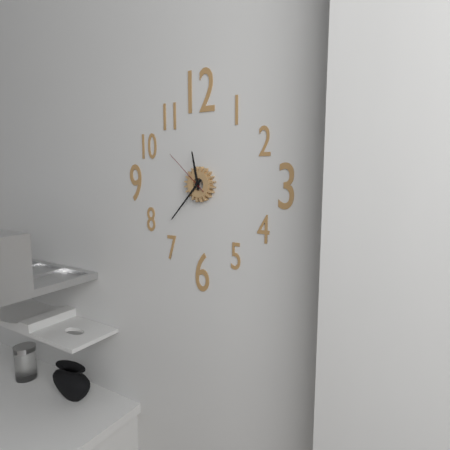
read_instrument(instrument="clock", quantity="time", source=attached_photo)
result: 11:37:52
